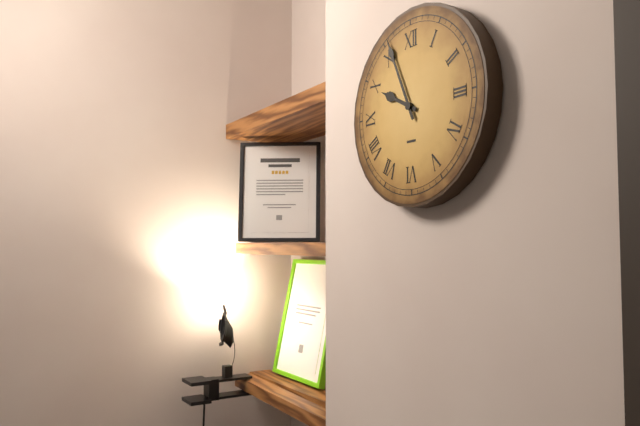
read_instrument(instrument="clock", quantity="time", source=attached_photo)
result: 9:56
